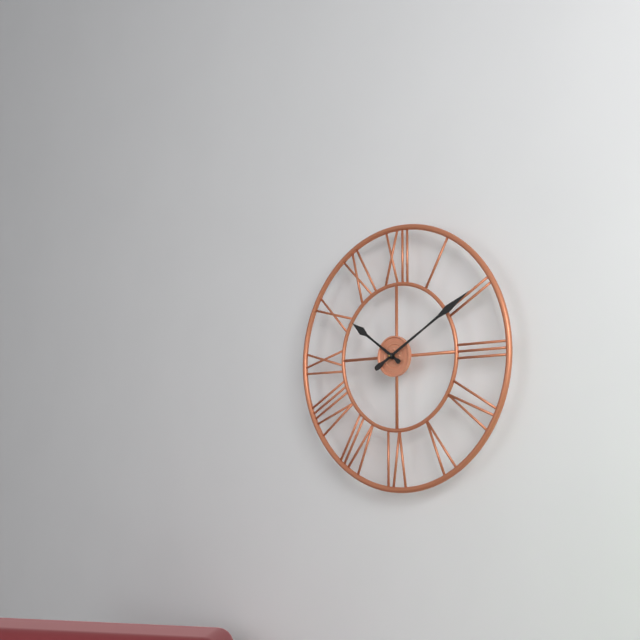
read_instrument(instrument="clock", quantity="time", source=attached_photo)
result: 10:10
